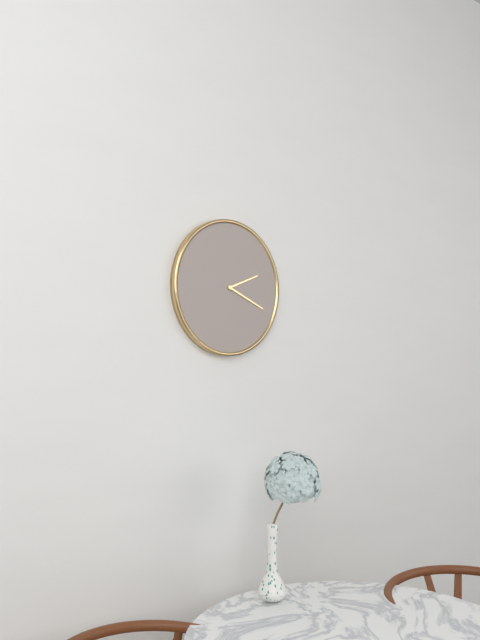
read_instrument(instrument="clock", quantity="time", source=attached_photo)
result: 2:19
